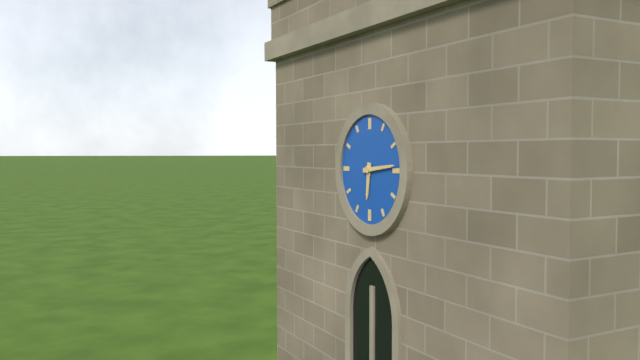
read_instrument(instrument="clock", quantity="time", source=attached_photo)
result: 6:14
